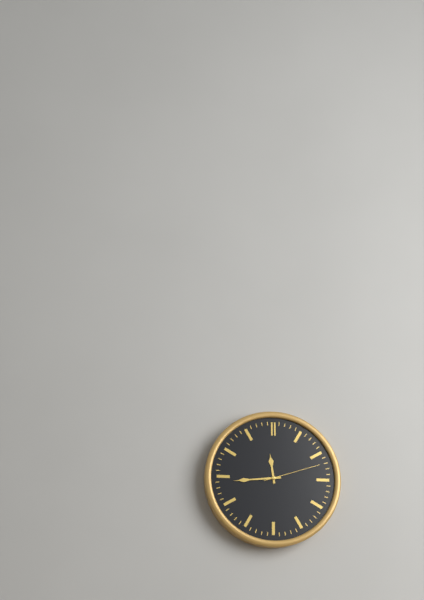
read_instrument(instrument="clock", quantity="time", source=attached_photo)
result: 11:44:12
